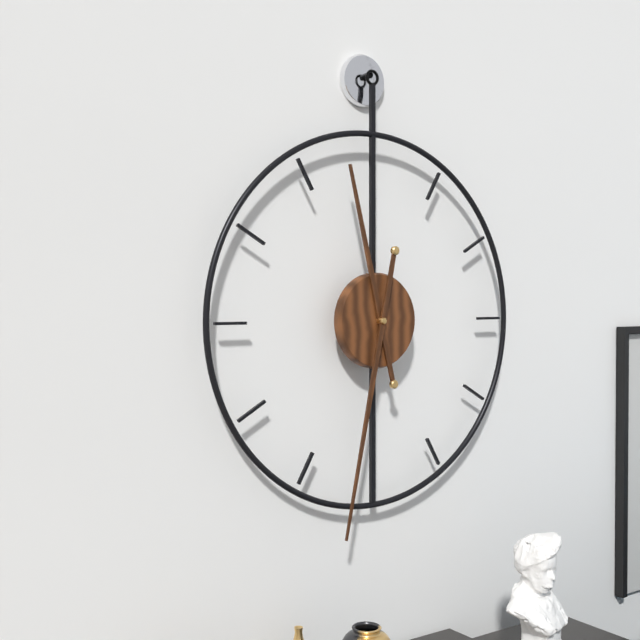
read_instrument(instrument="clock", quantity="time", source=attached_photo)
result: 11:32
